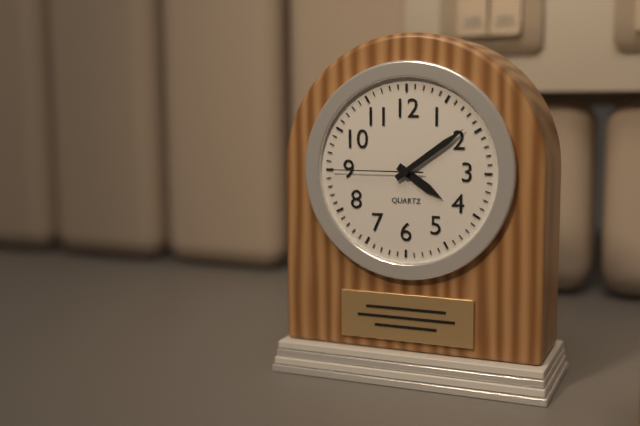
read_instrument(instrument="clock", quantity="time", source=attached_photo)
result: 4:09:45
